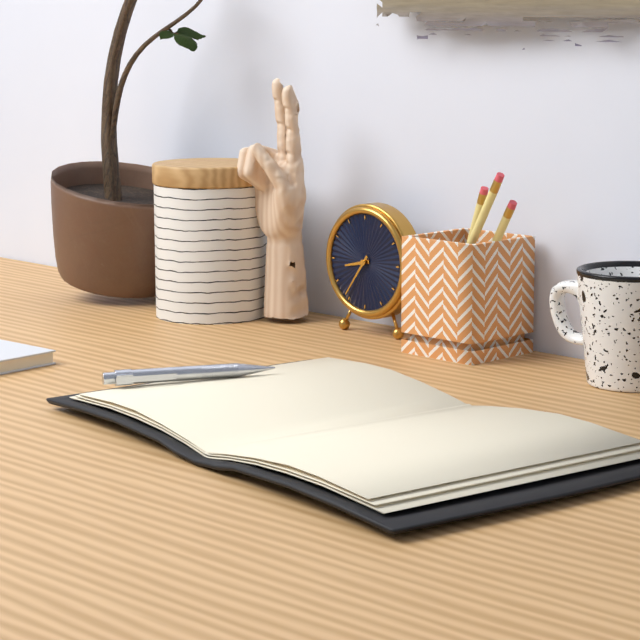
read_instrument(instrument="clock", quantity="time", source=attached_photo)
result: 8:36
